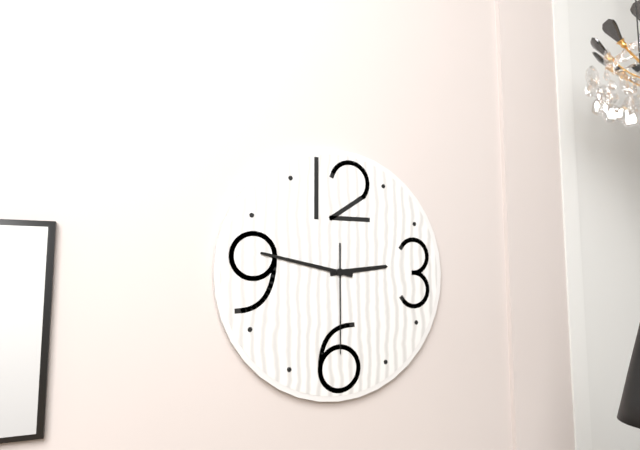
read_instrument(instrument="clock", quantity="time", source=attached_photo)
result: 2:47:30
